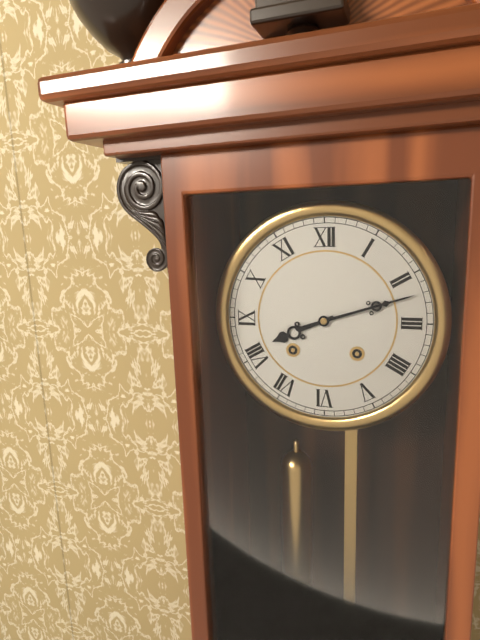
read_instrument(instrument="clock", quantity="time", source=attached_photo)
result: 8:12
